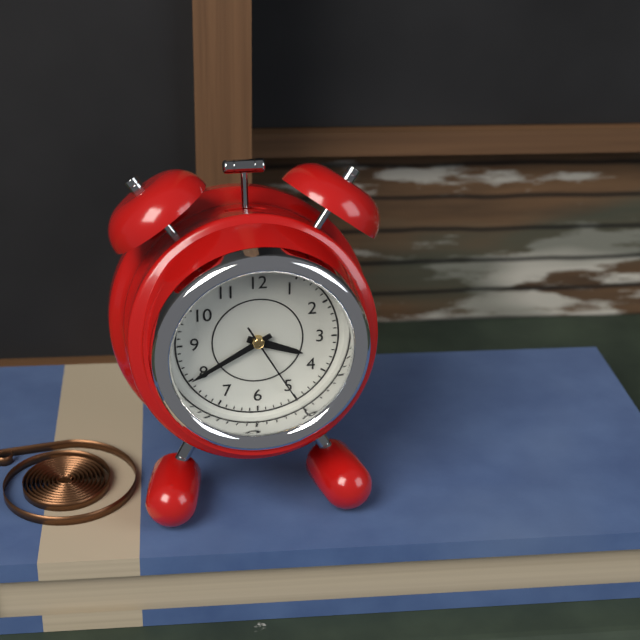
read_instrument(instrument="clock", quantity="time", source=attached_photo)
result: 3:40:25
